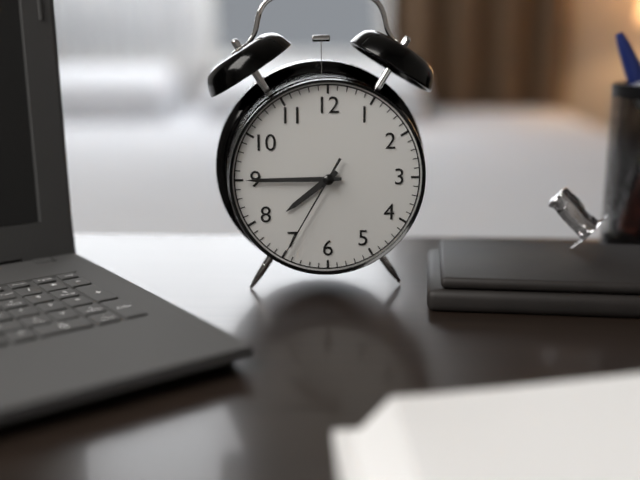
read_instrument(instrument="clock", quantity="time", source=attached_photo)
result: 7:45:35
